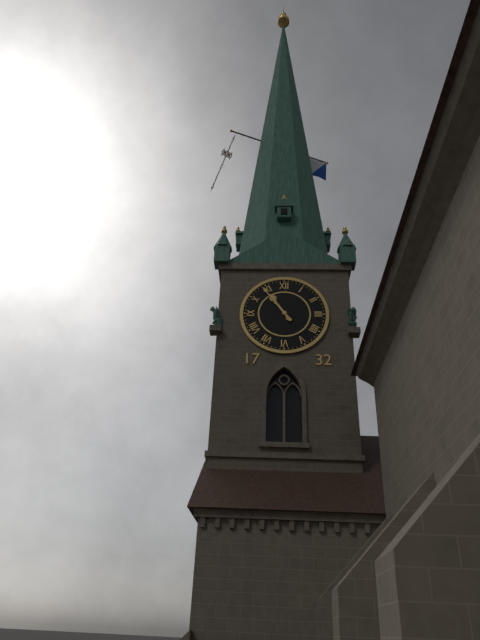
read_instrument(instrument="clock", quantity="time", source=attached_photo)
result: 10:54
